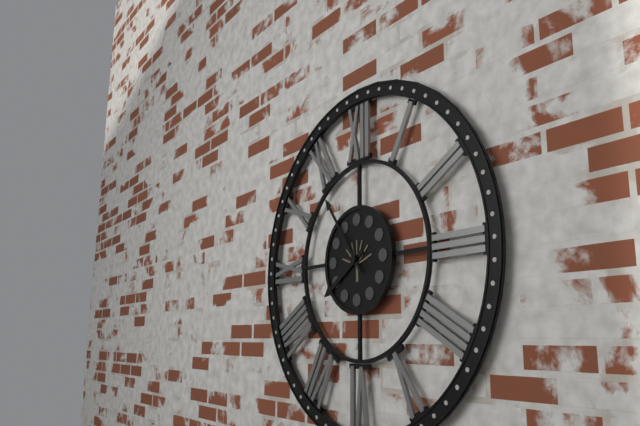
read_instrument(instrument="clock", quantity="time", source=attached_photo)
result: 7:54
